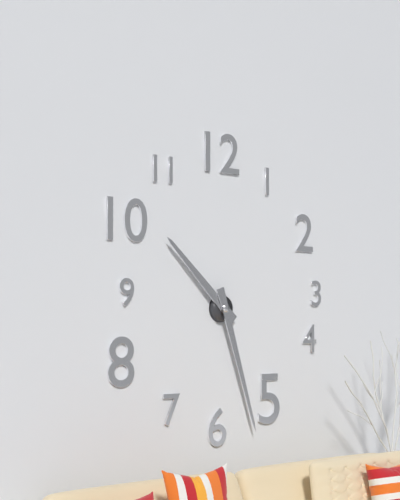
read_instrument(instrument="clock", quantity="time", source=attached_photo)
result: 10:27
